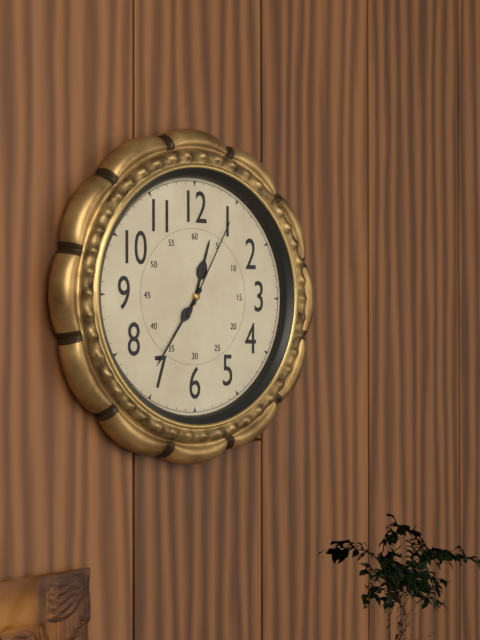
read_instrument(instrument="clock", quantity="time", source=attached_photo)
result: 12:36:05
